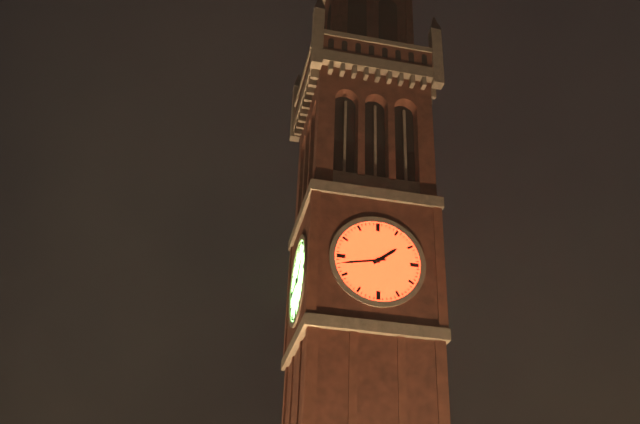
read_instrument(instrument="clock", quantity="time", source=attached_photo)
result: 1:43
